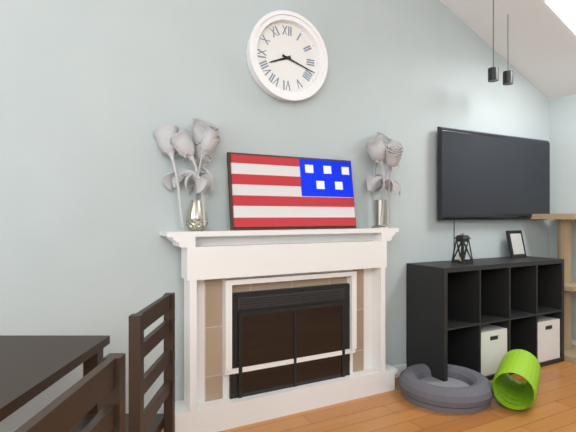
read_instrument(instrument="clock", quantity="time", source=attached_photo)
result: 8:18
